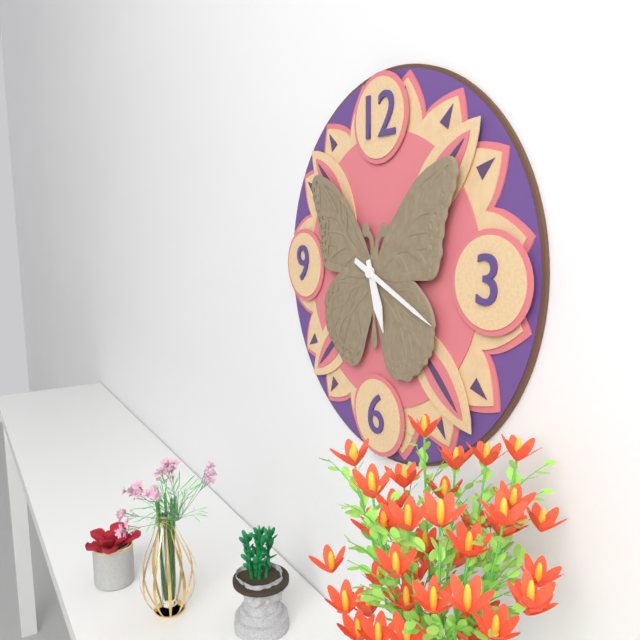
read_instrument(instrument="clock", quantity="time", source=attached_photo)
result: 5:19
